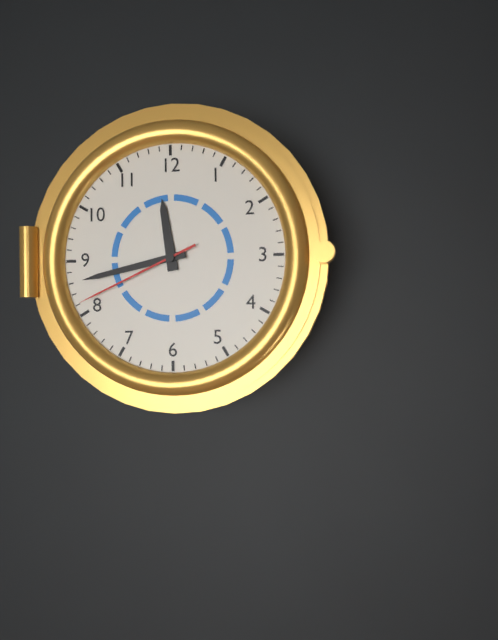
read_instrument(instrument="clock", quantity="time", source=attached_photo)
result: 11:43:41
